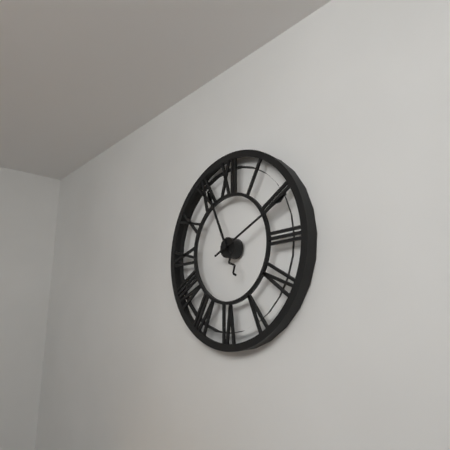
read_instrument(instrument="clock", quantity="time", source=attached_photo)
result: 11:11
